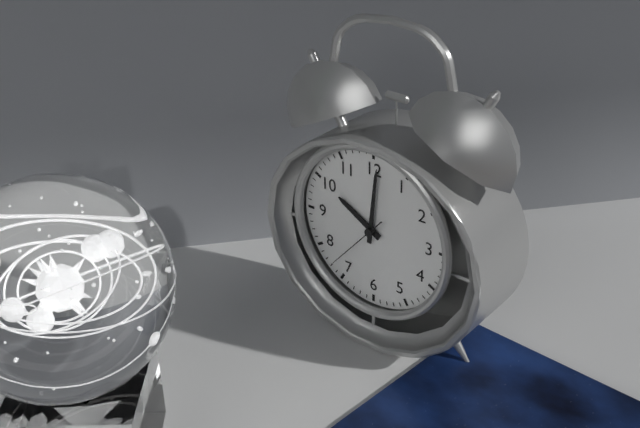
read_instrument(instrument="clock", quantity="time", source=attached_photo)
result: 10:01:37
